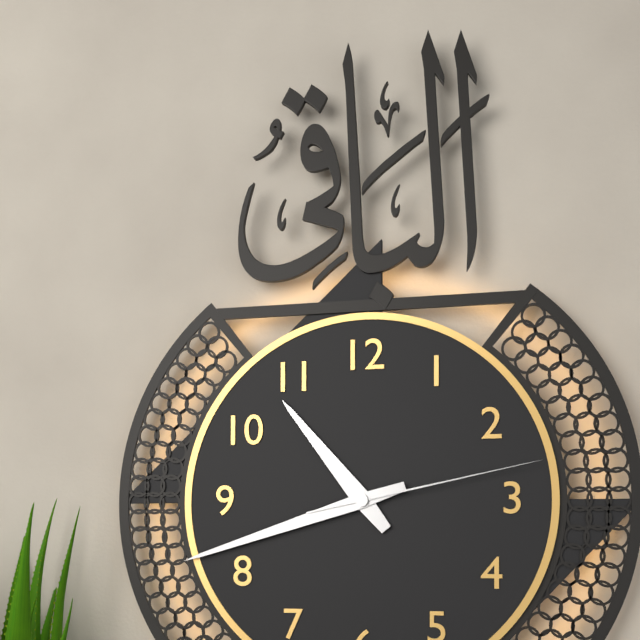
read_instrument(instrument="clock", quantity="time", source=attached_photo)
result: 10:42:13
